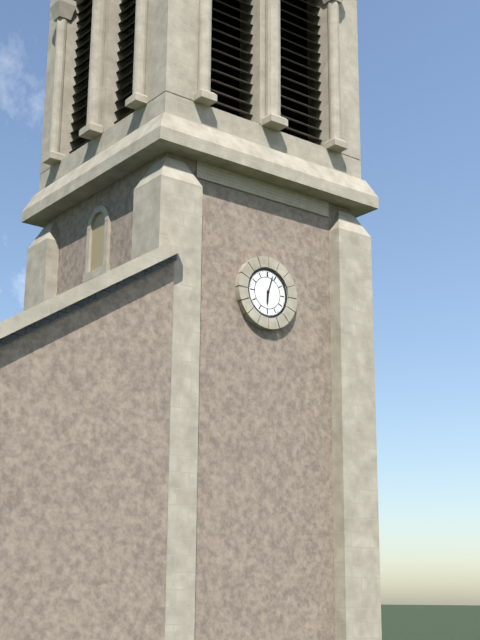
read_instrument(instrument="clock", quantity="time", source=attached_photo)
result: 6:03
